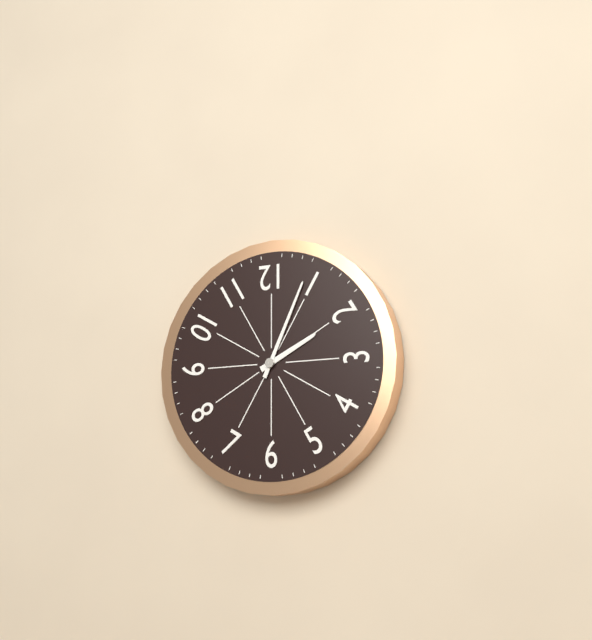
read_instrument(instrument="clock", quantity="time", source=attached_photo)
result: 2:04
